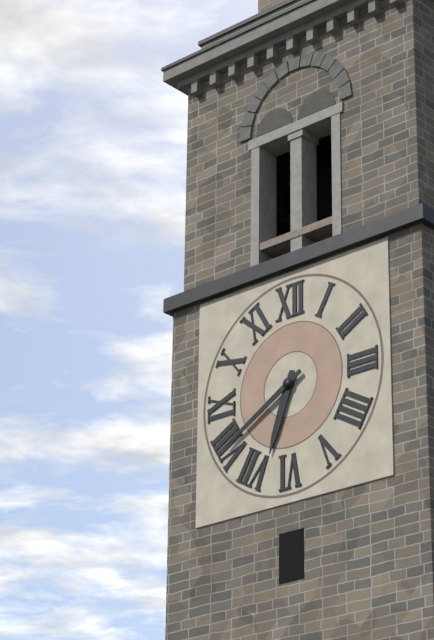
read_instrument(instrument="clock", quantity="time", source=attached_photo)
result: 6:40
